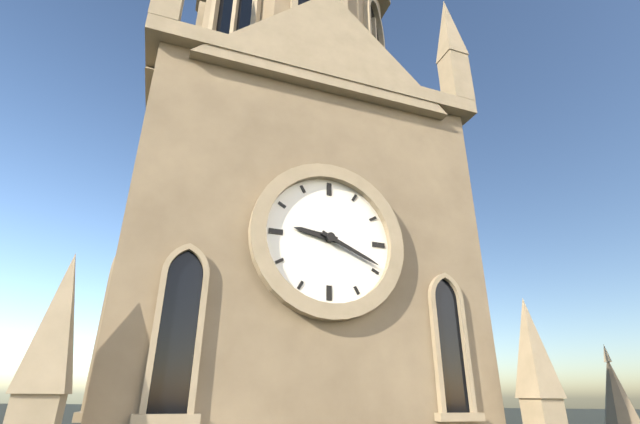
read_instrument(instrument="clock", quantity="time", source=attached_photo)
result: 9:19
